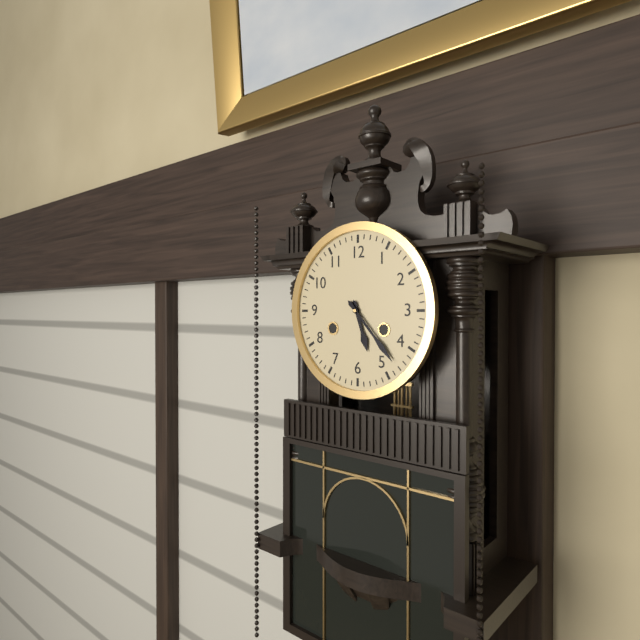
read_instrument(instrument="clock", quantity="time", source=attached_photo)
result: 5:23
